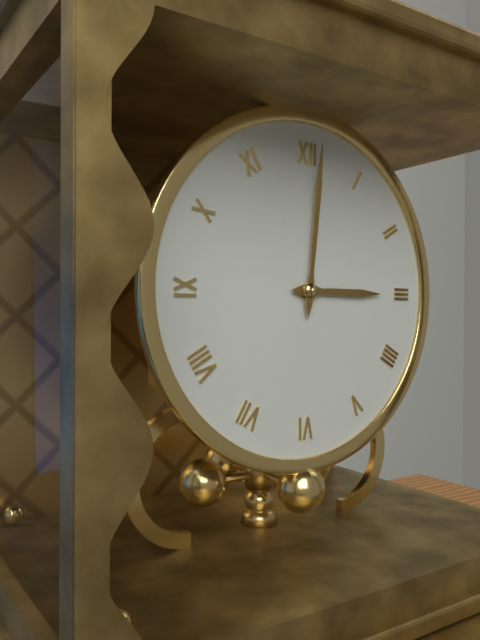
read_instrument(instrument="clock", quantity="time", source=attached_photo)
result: 3:01
